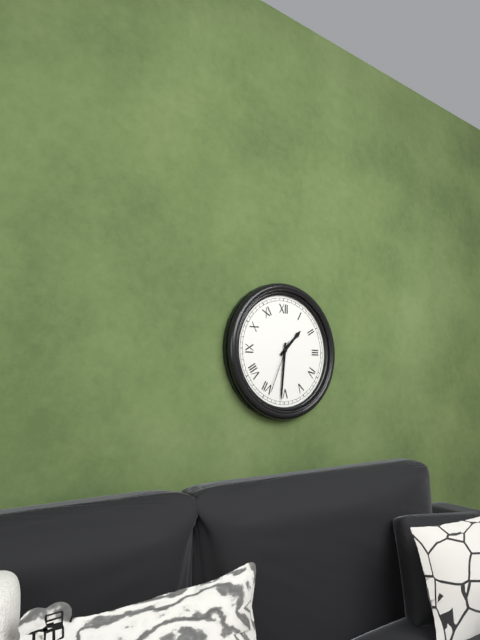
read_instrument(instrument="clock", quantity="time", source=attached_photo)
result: 1:31:34
